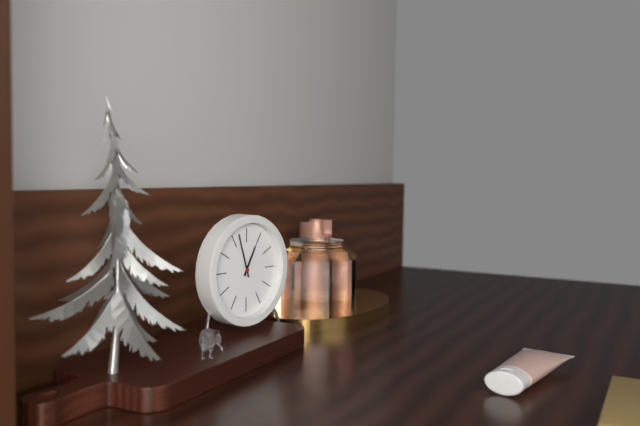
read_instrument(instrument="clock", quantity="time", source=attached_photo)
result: 12:57
